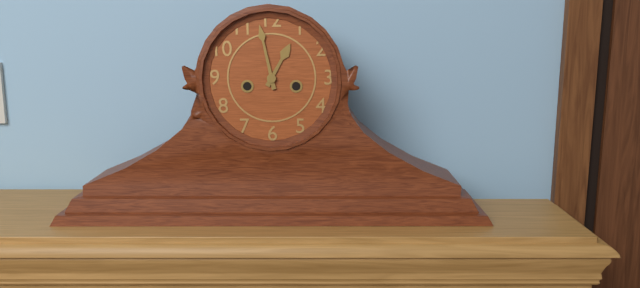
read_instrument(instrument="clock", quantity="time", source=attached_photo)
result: 12:58
